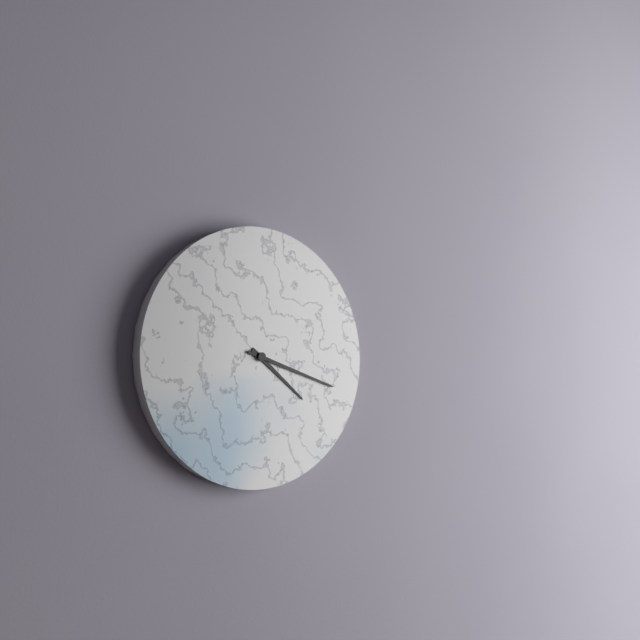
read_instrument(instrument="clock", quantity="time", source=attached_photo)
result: 4:18
